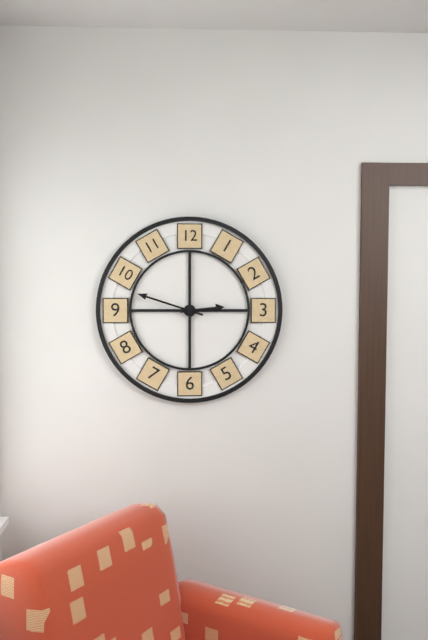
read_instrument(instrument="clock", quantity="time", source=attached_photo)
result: 2:48
